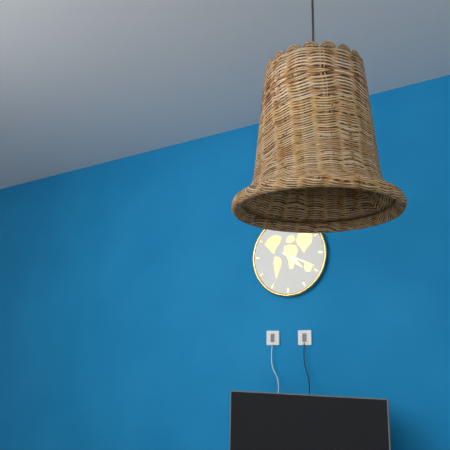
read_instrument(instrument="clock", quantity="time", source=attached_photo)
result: 4:19
